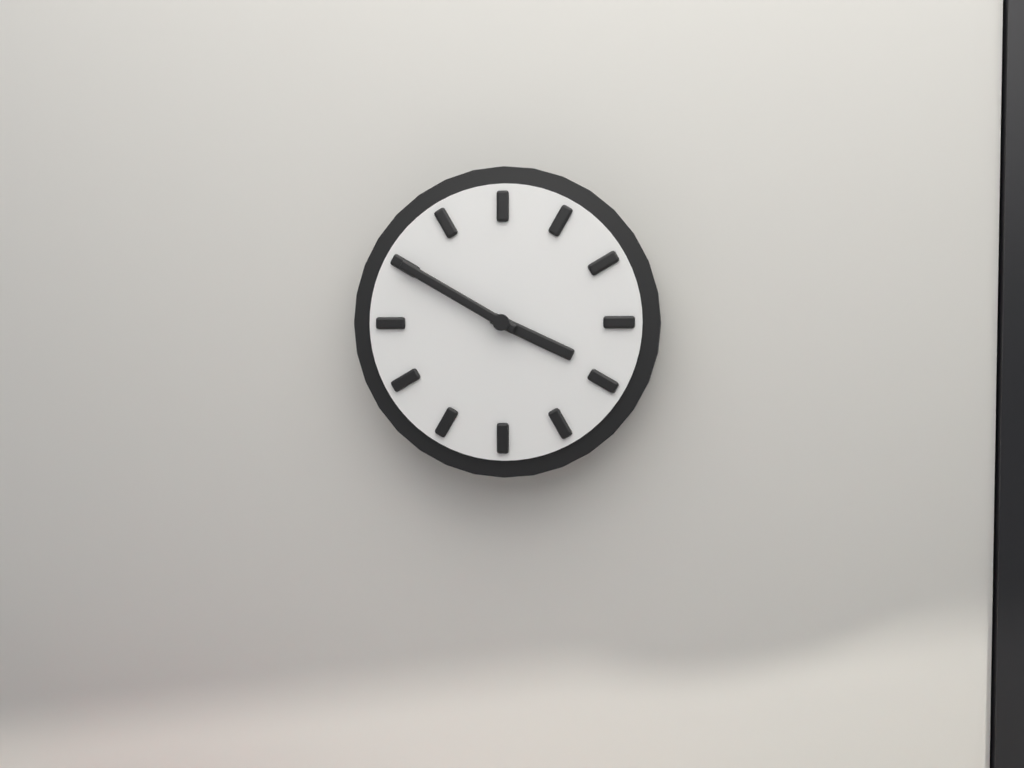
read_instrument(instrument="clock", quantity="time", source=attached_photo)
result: 3:50
